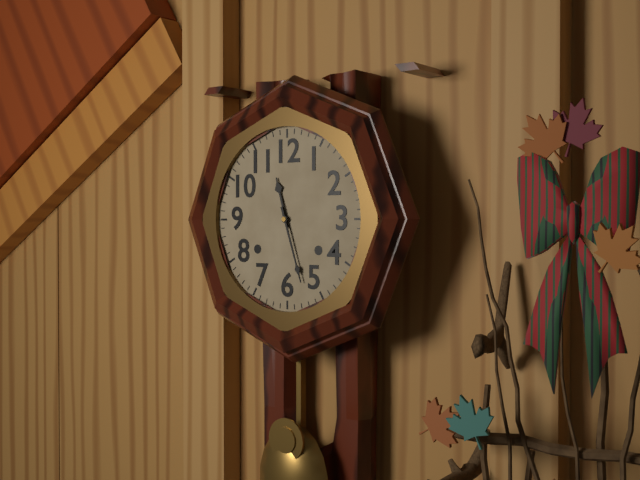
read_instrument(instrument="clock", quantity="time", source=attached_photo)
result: 11:27
